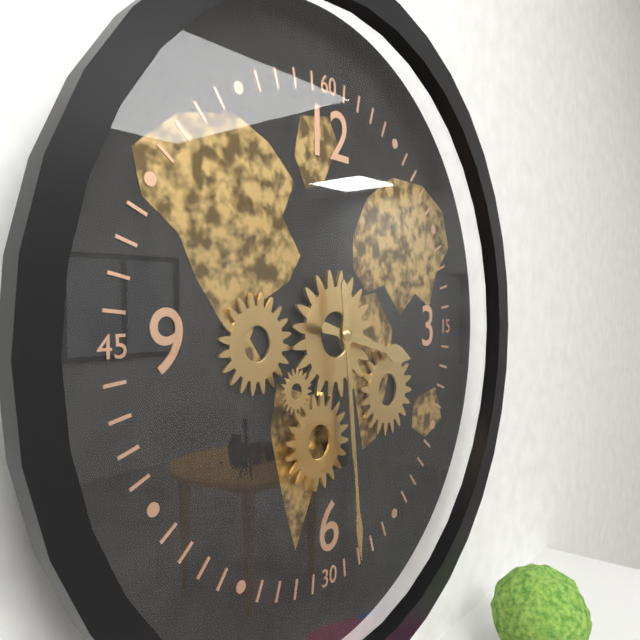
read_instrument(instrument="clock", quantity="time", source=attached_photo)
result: 3:29
